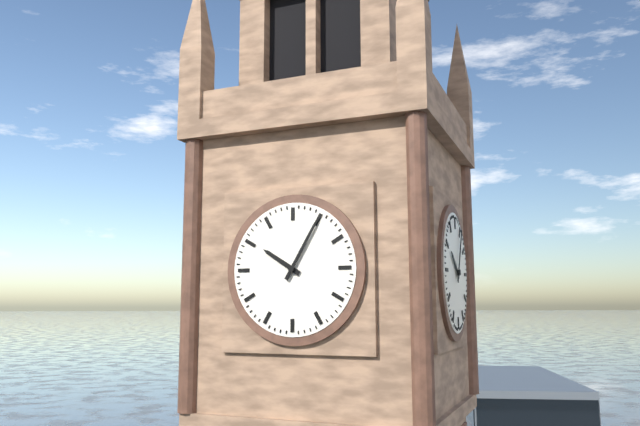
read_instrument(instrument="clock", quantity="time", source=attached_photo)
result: 10:05
